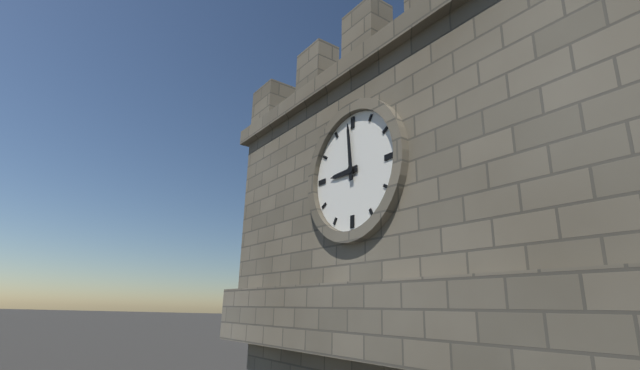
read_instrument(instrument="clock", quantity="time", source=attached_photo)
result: 8:59
